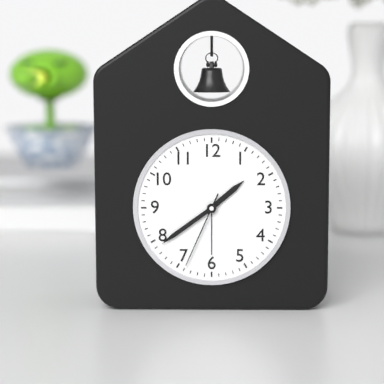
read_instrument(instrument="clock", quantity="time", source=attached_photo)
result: 1:39:34
